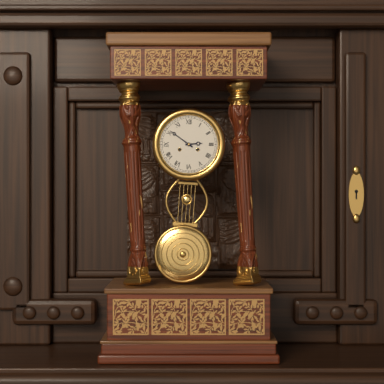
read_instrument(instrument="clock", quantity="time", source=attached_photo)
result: 2:51
